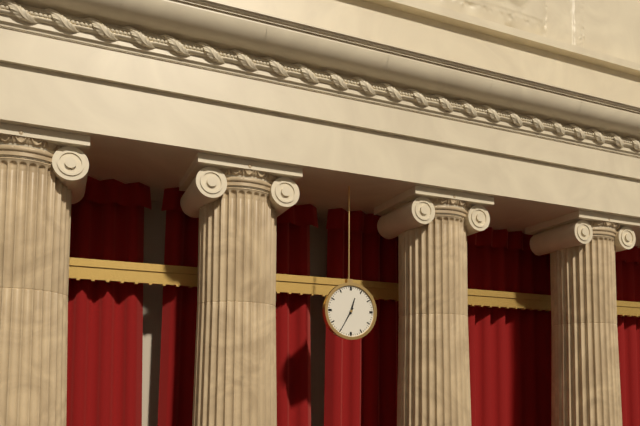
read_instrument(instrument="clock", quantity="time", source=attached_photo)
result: 12:35
